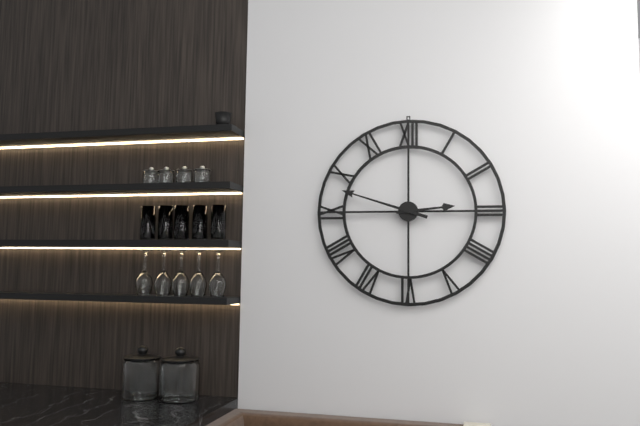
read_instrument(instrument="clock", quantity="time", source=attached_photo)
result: 2:48
